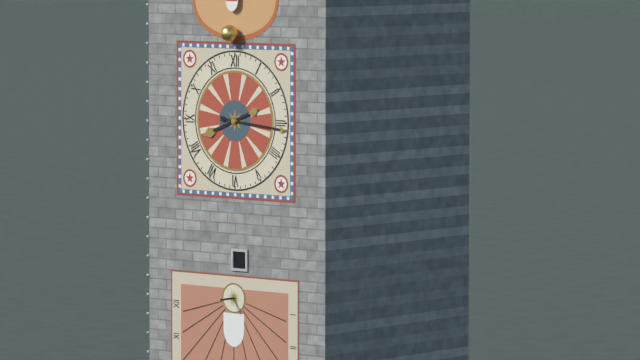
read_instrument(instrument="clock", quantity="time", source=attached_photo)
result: 8:16
